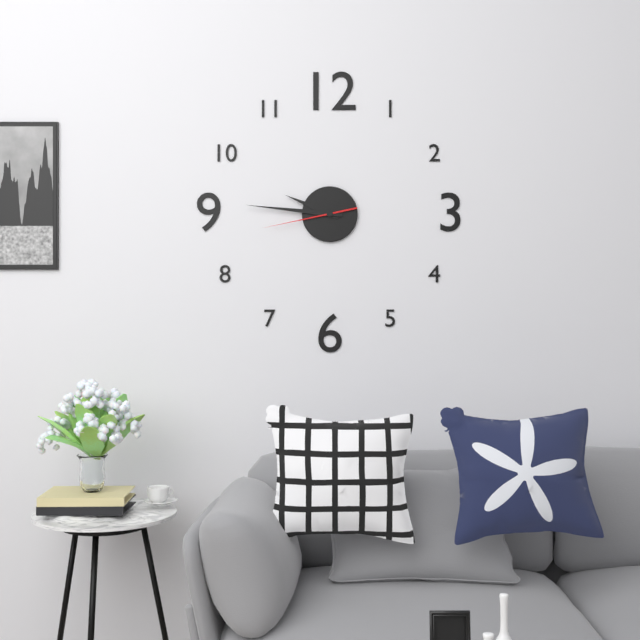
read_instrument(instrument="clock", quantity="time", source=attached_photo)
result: 9:46:43
